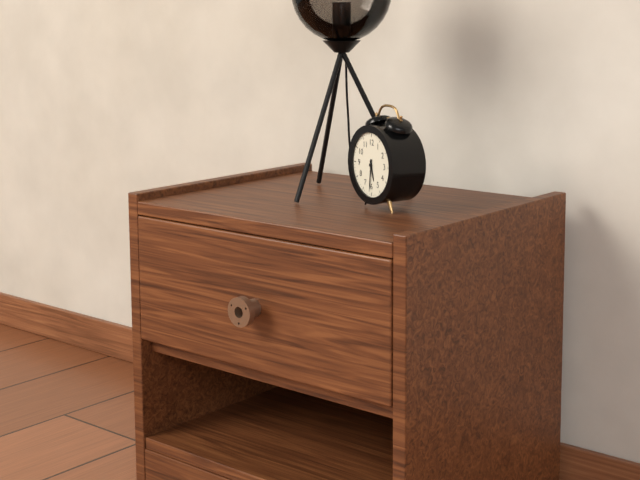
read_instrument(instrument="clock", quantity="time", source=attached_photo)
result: 5:31
